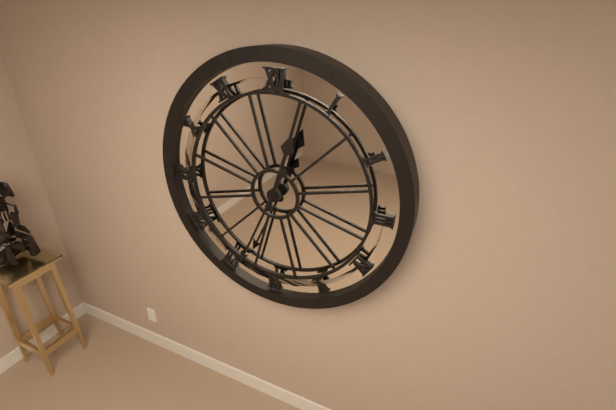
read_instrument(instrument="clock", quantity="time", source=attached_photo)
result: 12:34
